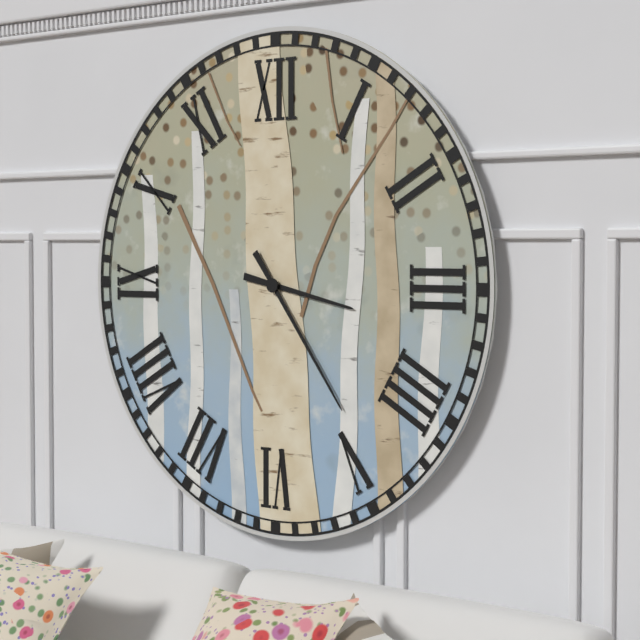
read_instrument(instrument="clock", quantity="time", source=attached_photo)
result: 3:24
